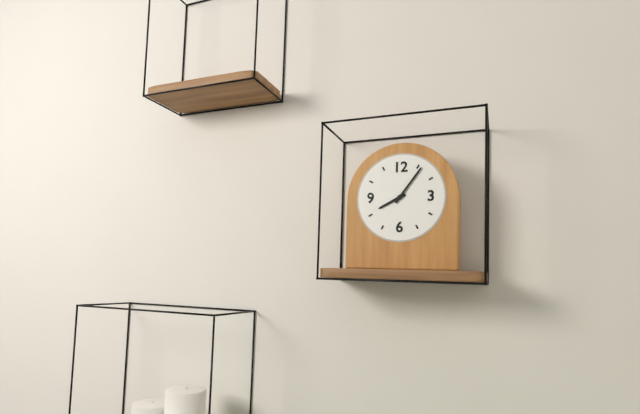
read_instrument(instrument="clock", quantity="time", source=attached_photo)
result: 8:06
